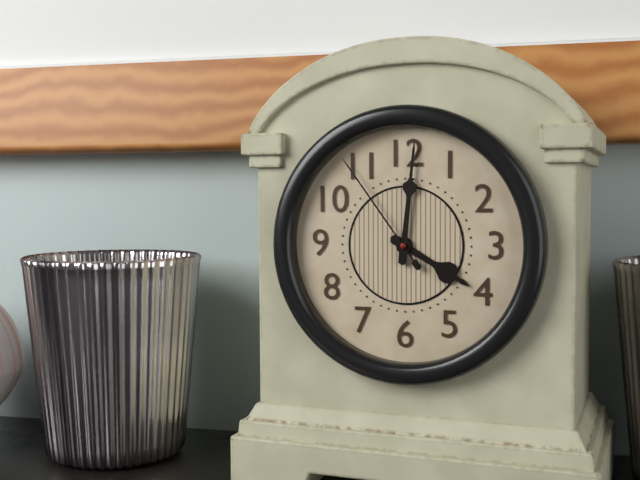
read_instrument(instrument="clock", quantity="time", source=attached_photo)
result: 4:01:54
